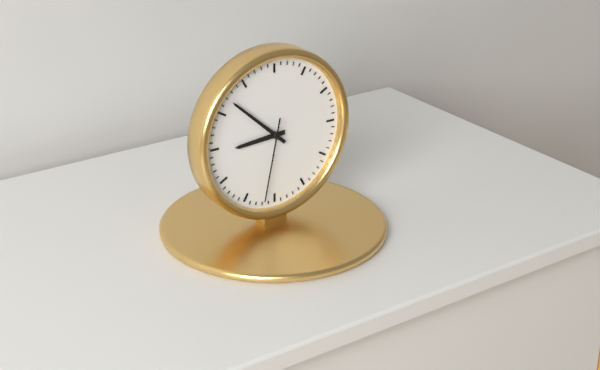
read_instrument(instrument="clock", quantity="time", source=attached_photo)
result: 8:52:32
